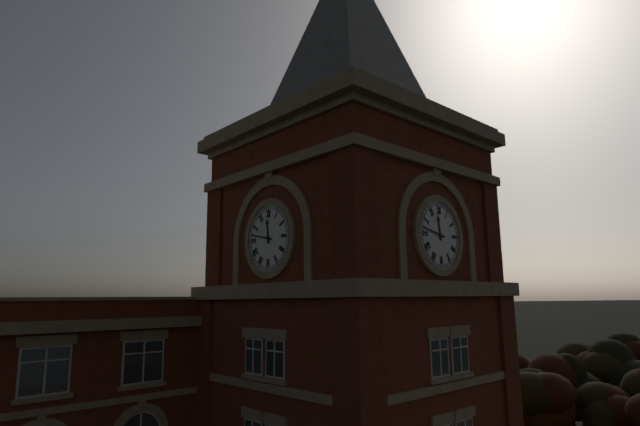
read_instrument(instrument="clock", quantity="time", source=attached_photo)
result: 11:47
